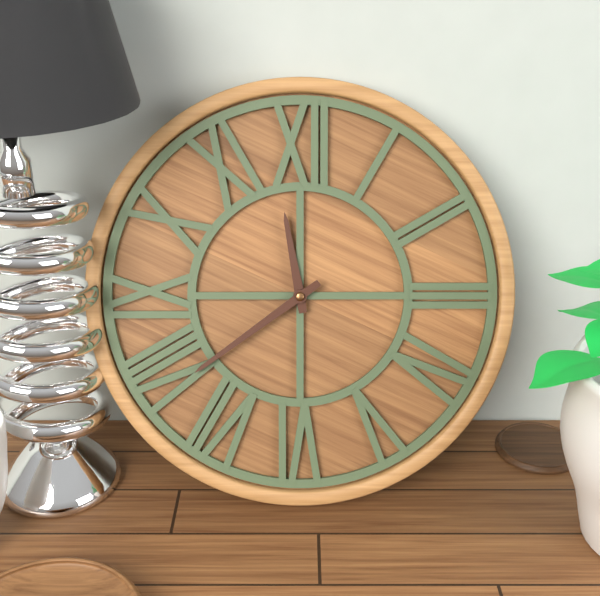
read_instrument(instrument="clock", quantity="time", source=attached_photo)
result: 11:39
